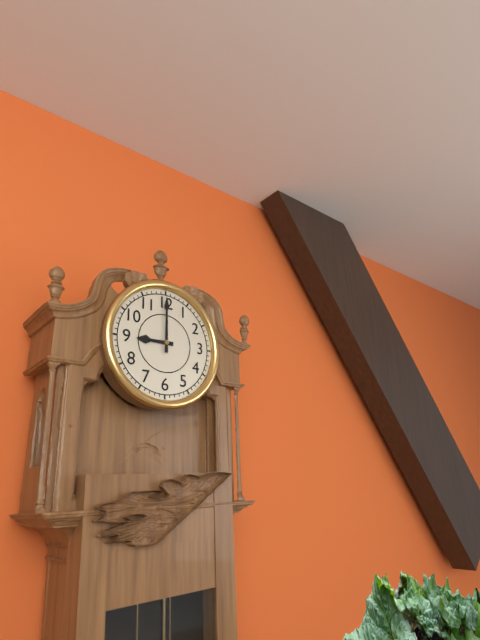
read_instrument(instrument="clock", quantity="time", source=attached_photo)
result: 9:00
